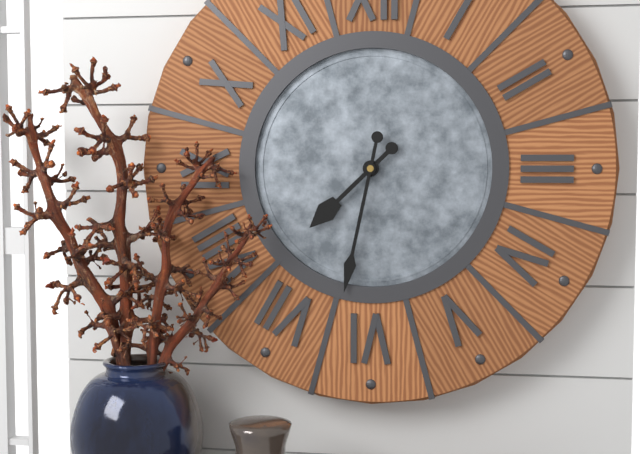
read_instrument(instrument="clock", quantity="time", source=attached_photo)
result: 7:32
